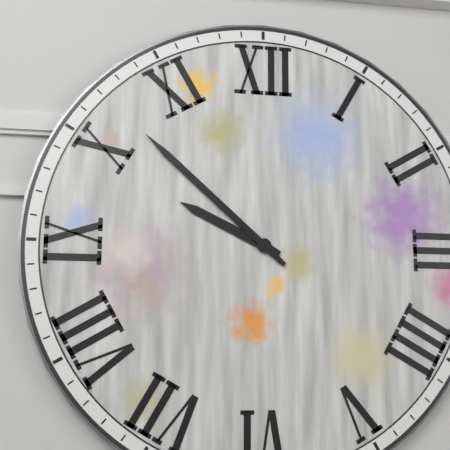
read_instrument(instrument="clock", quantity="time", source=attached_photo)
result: 9:52
